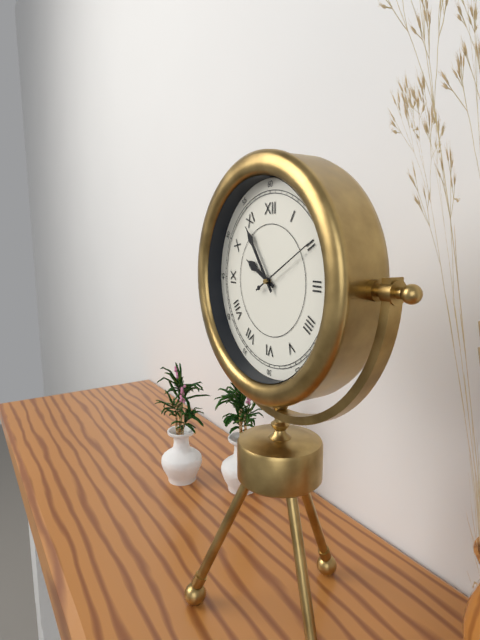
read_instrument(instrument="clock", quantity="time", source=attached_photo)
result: 9:54:10
